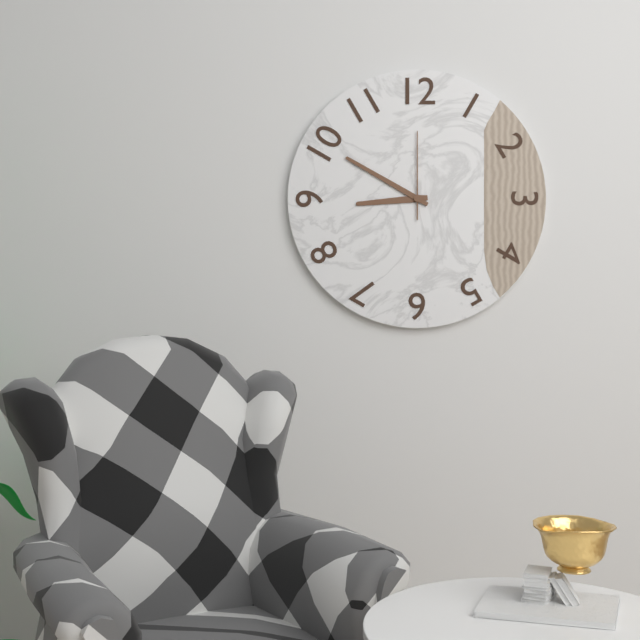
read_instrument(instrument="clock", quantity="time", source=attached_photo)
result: 8:50:00
